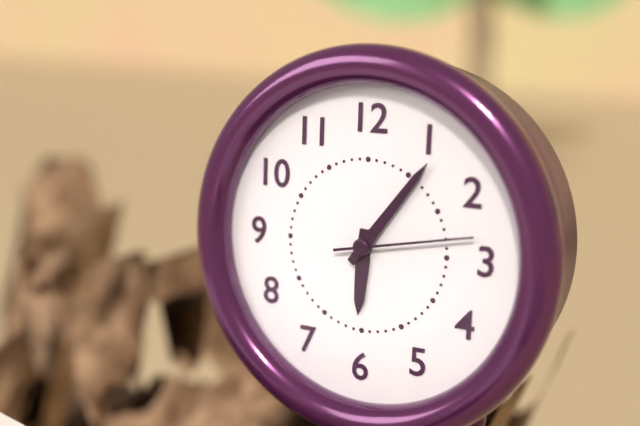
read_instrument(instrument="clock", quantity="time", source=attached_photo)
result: 6:06:13
